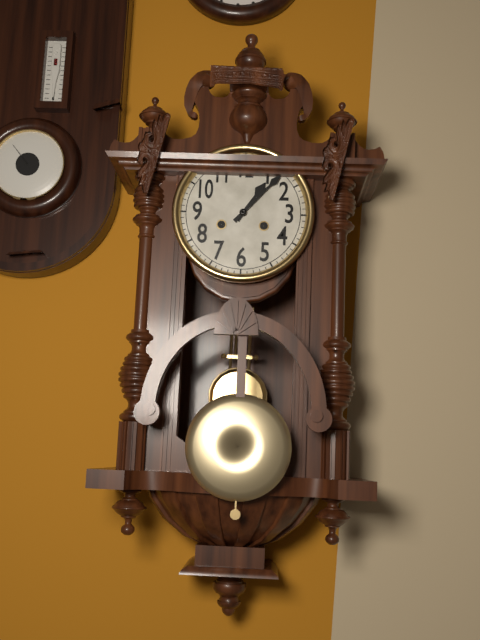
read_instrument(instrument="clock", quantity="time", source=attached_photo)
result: 1:07
